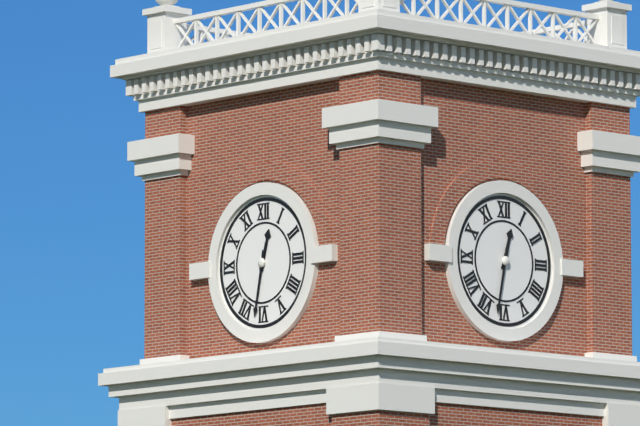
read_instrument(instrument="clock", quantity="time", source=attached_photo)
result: 12:32
